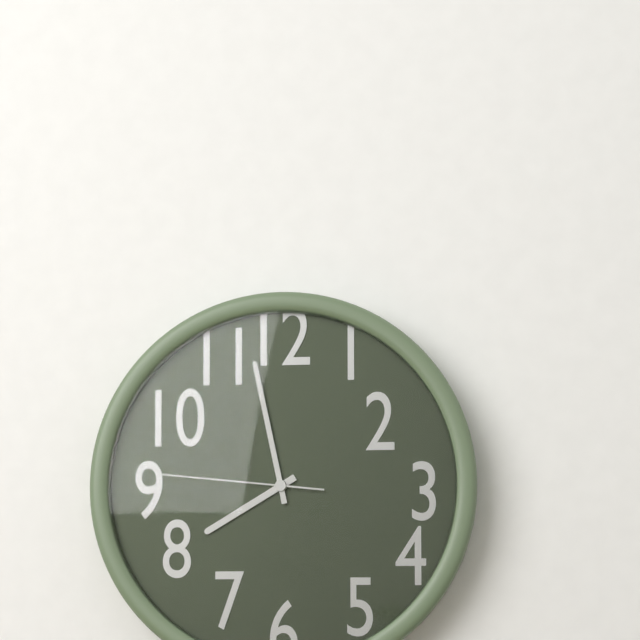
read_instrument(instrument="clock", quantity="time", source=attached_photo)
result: 7:58:46
